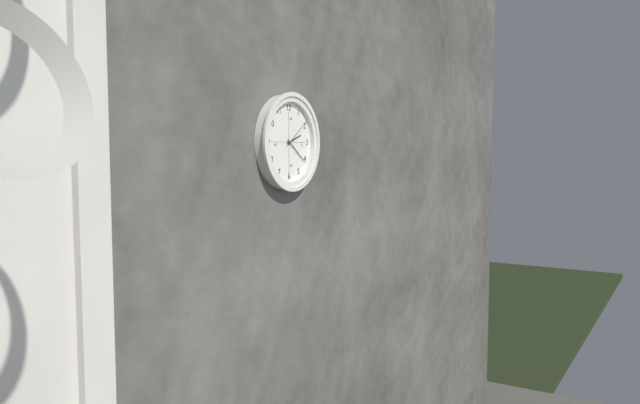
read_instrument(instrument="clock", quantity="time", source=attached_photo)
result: 2:21
